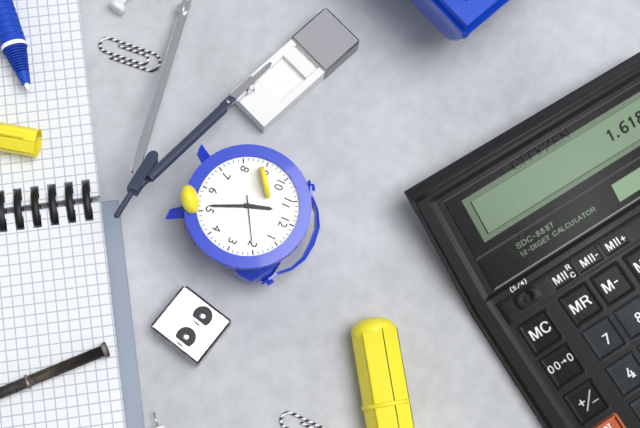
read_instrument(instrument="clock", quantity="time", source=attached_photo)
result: 11:26:10
